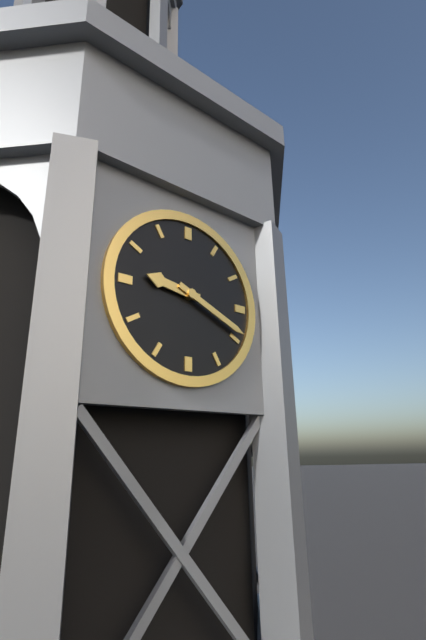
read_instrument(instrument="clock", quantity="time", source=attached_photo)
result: 9:19
